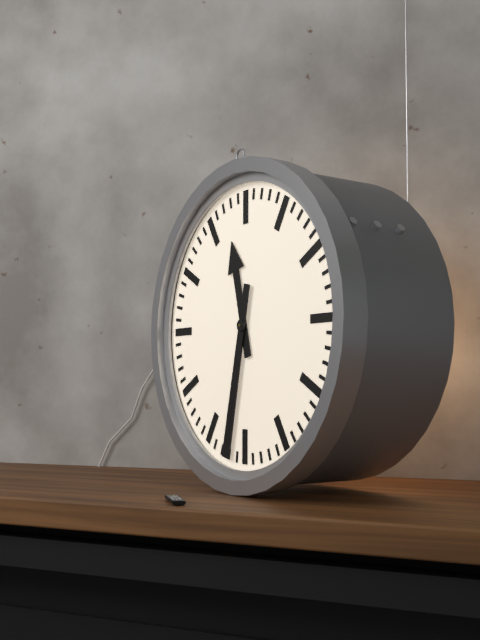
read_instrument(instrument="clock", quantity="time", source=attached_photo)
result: 11:32
